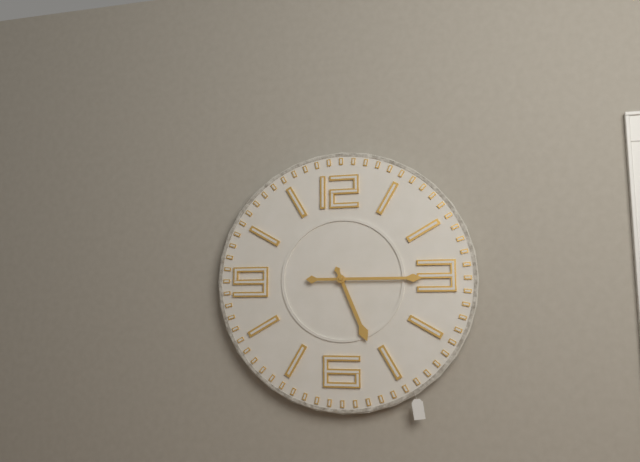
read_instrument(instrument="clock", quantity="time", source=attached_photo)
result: 5:15
